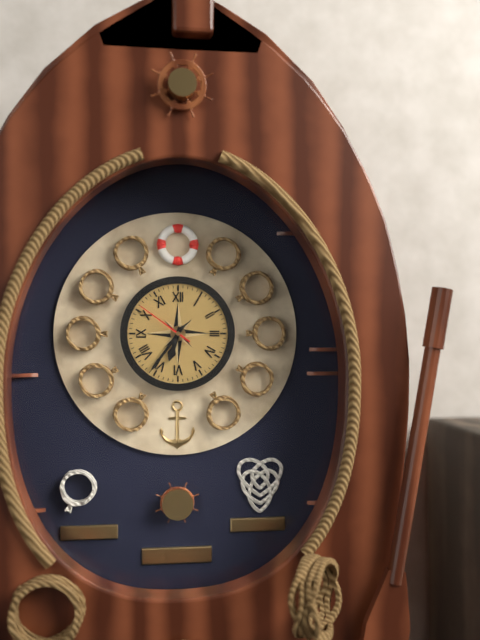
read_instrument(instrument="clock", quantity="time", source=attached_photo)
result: 6:36:51
